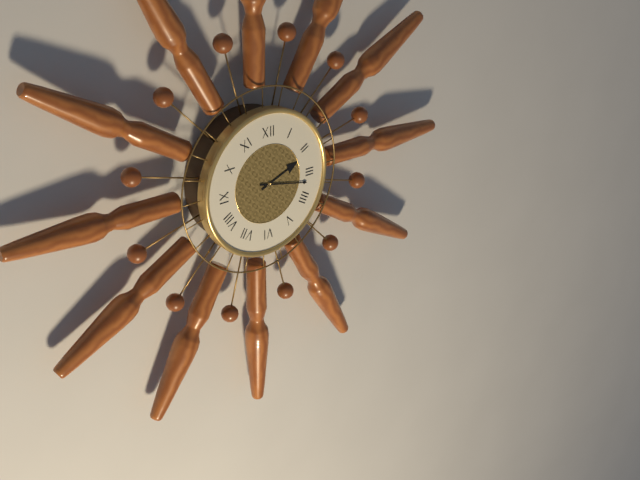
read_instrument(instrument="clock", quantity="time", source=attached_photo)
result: 2:17
